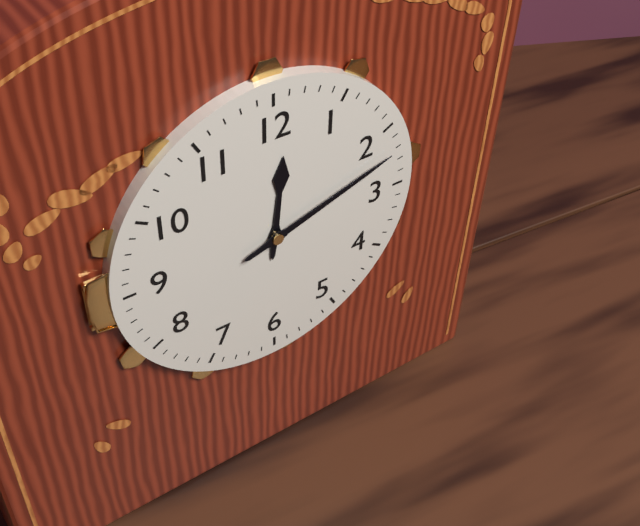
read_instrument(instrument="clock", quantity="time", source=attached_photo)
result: 12:12
